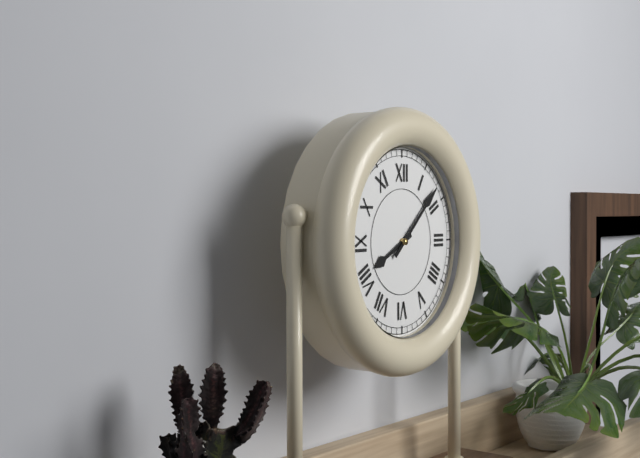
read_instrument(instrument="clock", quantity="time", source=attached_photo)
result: 8:08
